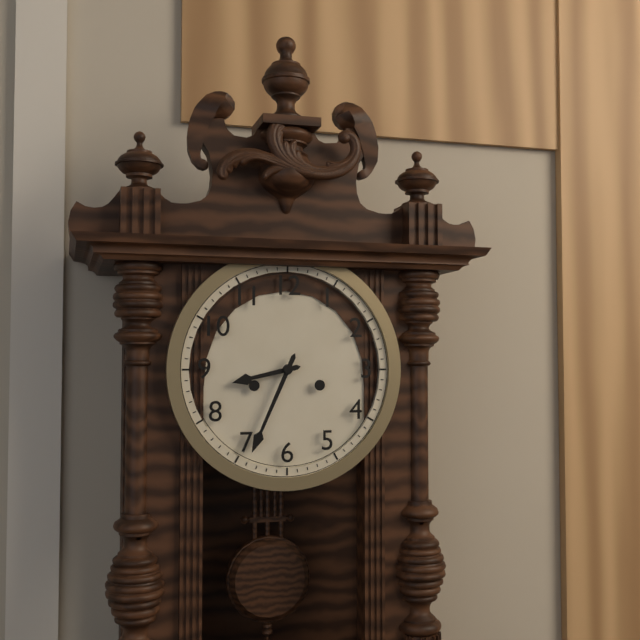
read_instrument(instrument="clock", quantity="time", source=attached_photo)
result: 8:34
